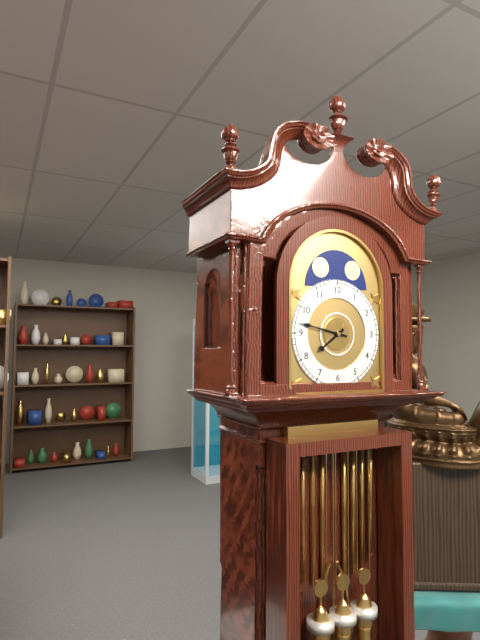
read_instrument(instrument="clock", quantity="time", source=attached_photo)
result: 7:47
